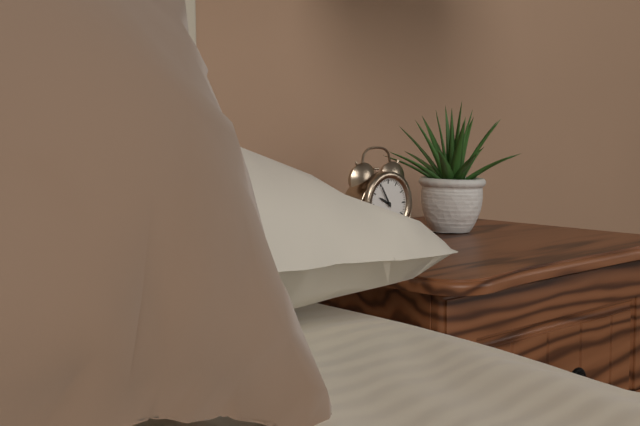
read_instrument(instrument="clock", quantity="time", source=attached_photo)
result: 9:55
